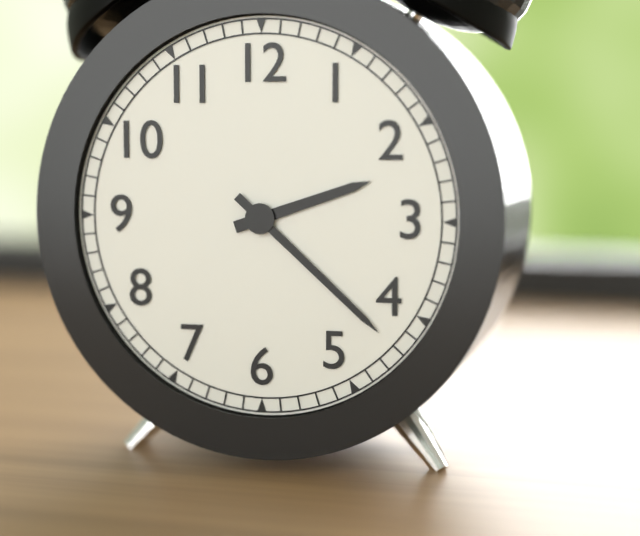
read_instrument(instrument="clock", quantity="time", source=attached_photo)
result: 2:22
